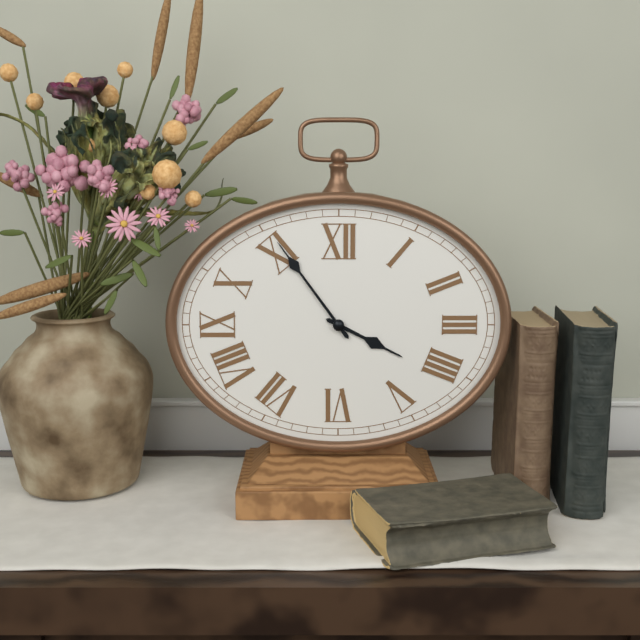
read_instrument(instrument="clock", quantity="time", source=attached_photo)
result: 3:54
